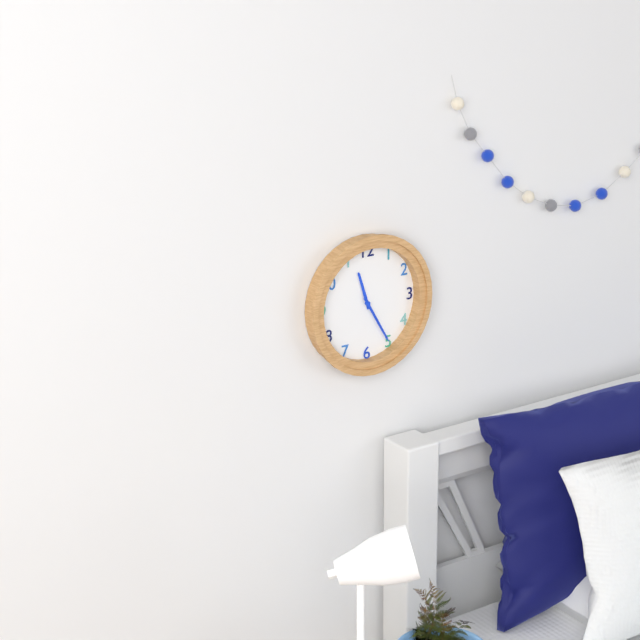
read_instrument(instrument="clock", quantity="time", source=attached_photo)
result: 11:25:25
